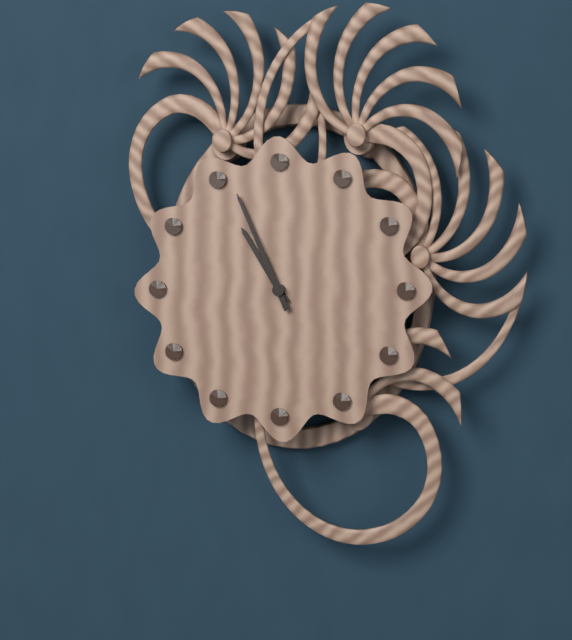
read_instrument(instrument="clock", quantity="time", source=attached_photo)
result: 10:56
